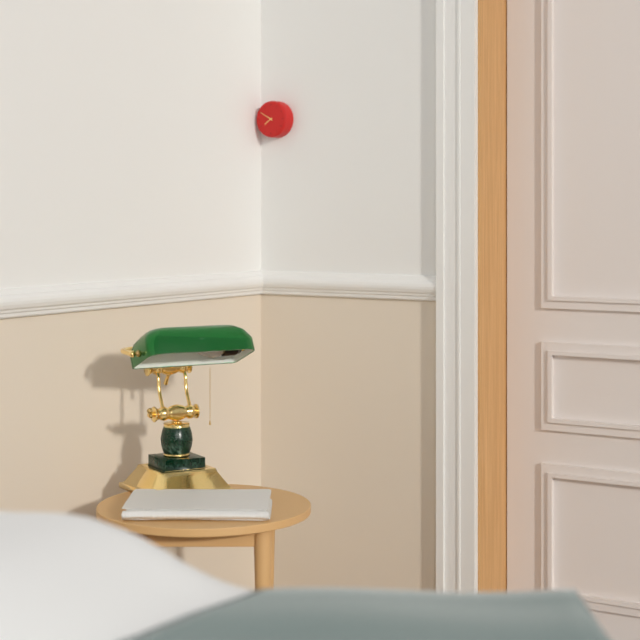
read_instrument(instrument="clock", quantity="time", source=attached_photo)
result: 7:50
